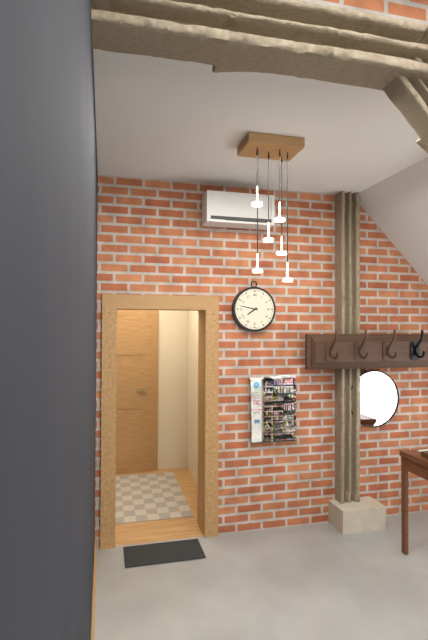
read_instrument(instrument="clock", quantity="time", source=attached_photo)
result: 7:47
